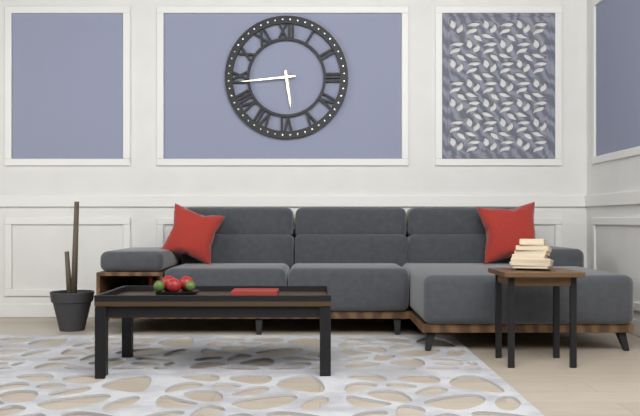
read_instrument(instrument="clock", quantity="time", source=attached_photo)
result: 5:44
